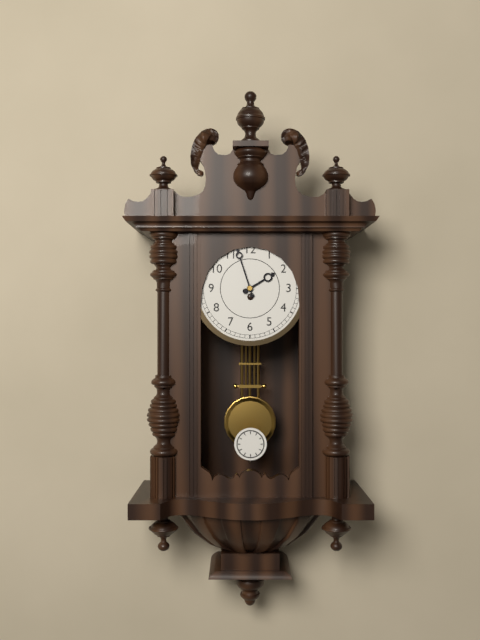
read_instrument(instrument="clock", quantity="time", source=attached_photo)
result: 1:57
